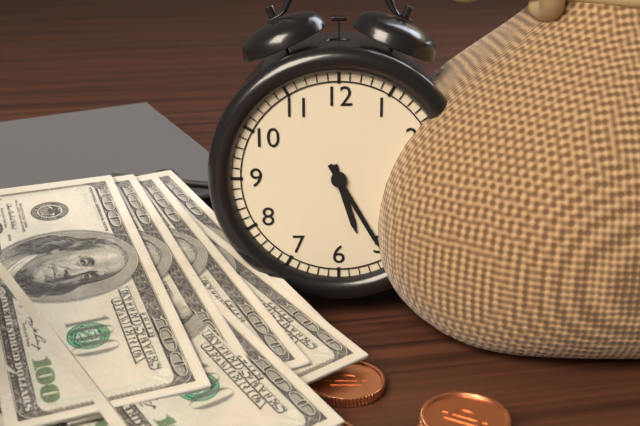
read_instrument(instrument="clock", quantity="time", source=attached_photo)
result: 5:25
